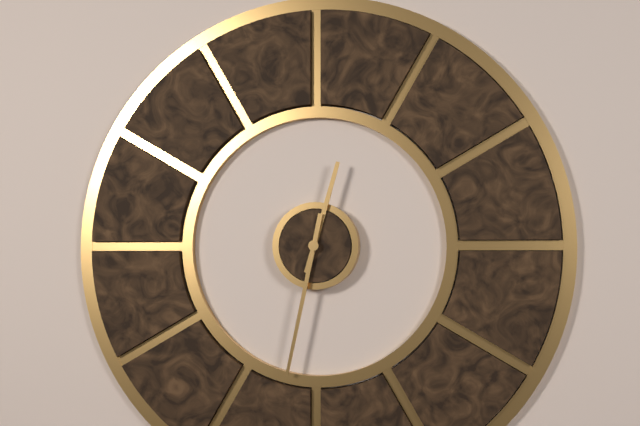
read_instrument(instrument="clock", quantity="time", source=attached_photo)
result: 12:32
